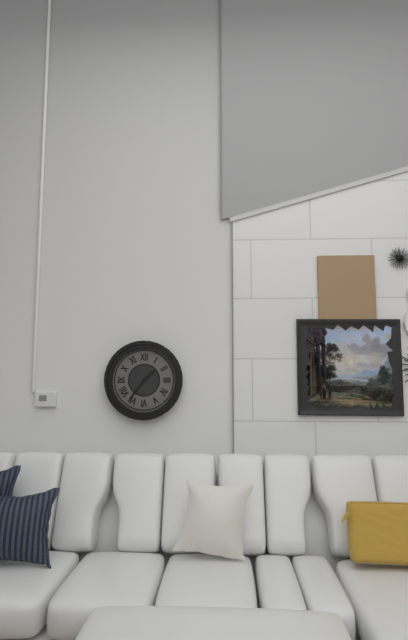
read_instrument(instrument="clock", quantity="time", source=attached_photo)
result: 1:36
